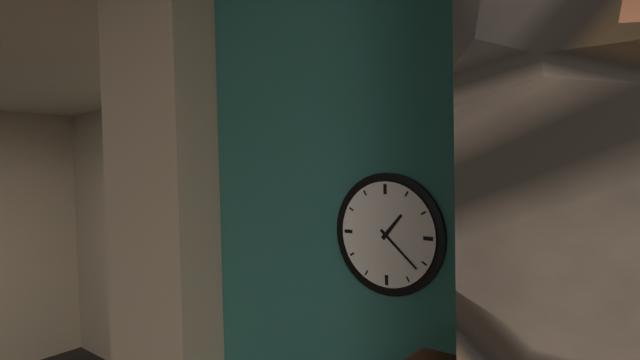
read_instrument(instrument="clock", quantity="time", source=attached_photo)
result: 1:22
